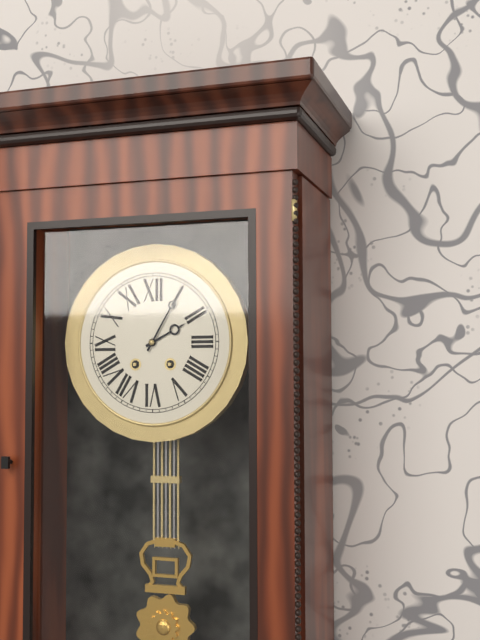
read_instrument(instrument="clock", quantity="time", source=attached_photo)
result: 2:05
